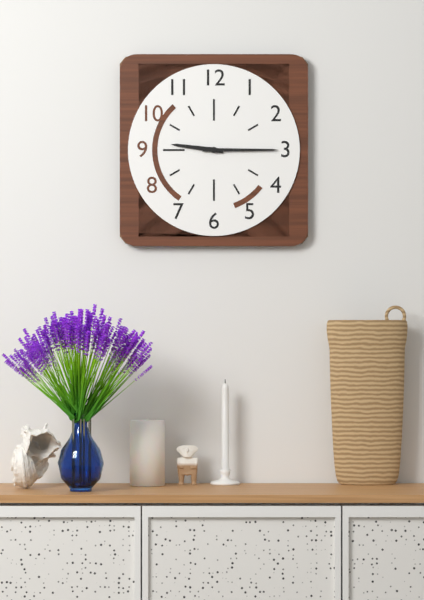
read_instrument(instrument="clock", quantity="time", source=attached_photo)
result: 9:15
